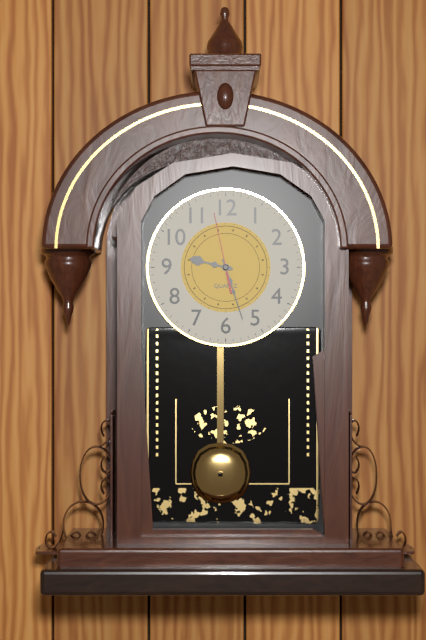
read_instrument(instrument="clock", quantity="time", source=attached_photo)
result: 9:27:58
